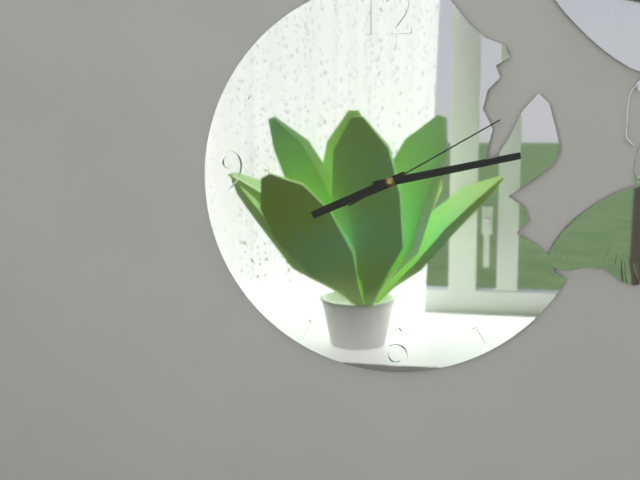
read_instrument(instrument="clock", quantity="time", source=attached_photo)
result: 8:13:10
